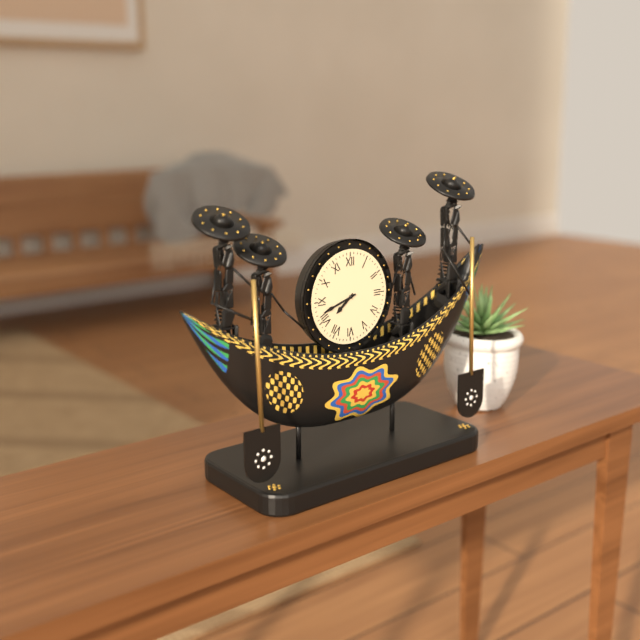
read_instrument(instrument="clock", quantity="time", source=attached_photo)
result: 7:42
